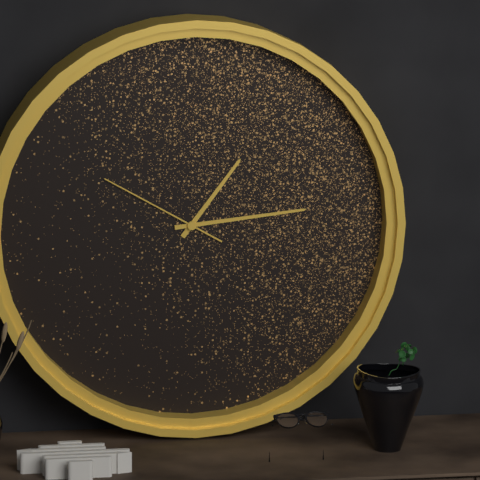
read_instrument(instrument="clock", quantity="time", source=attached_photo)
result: 1:14:50
